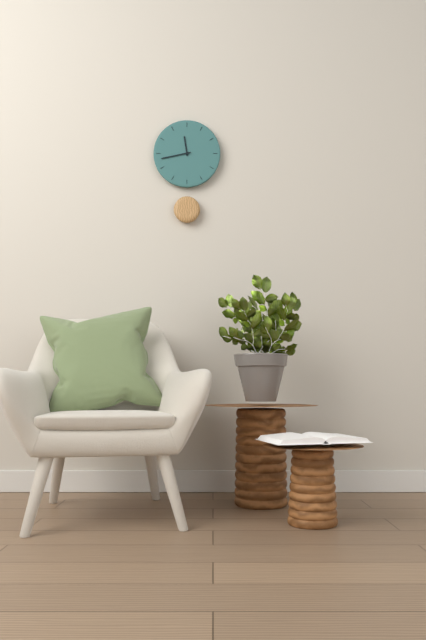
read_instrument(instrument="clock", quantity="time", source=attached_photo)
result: 11:43
